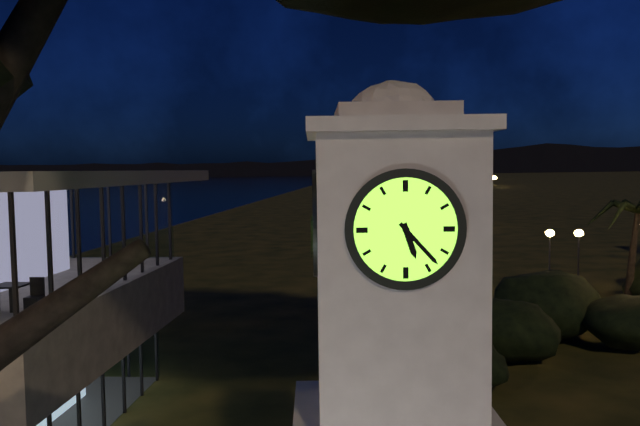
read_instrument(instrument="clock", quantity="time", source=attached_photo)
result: 5:23
